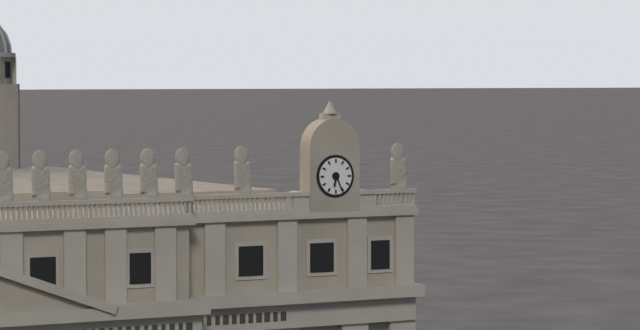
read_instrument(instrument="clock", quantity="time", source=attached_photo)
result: 6:26
